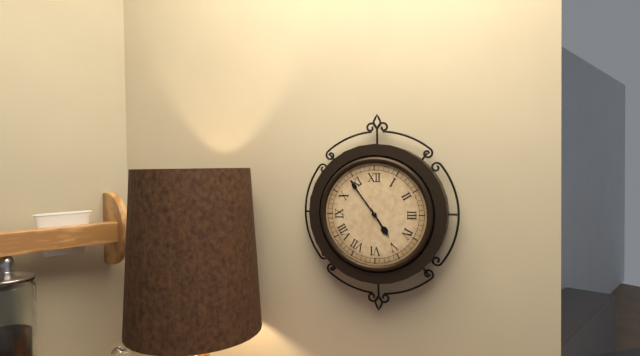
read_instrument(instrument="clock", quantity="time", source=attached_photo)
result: 4:54
